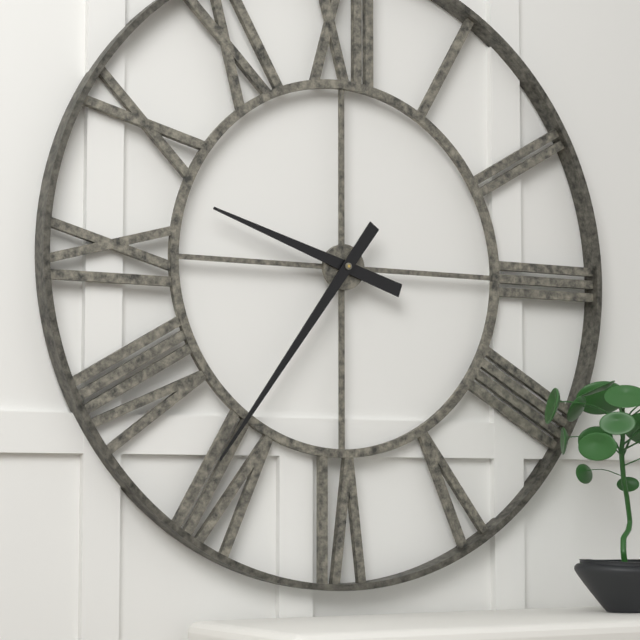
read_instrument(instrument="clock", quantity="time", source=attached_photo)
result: 9:36
